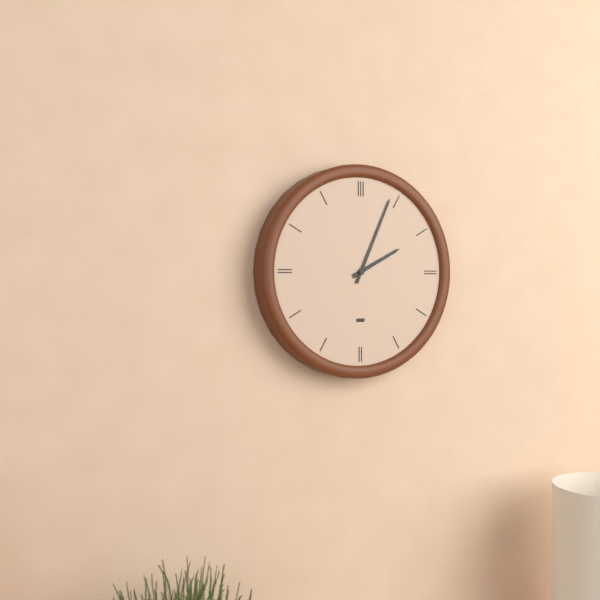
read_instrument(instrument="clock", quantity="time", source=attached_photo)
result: 2:04
